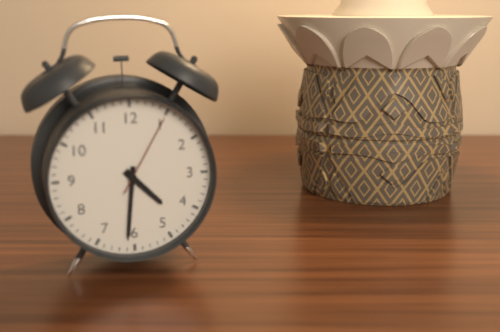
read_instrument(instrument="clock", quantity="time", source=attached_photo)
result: 4:31:05
